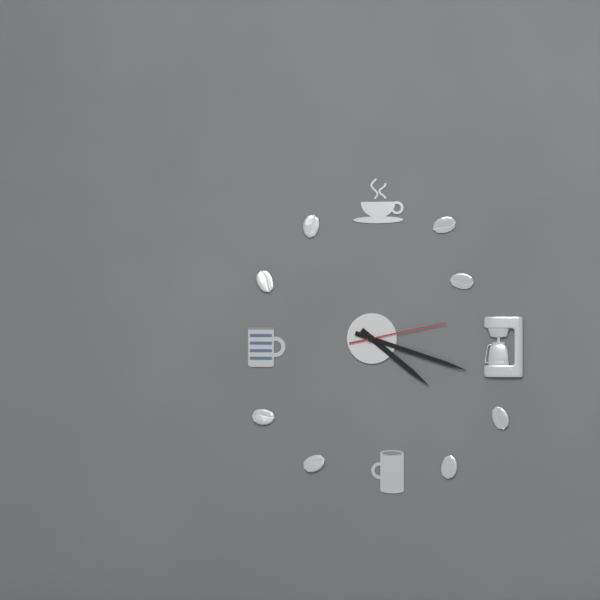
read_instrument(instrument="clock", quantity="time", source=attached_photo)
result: 4:18:13
